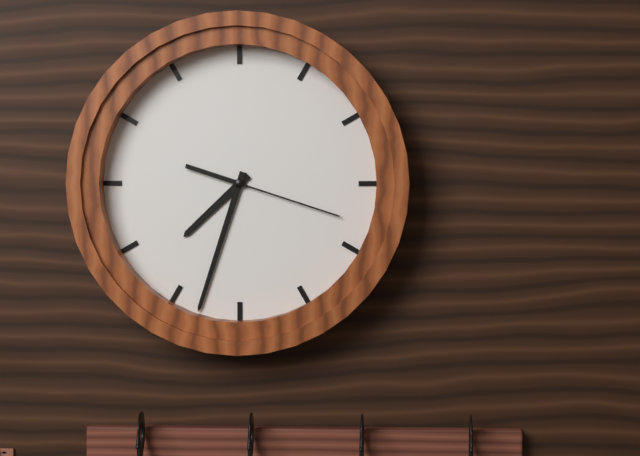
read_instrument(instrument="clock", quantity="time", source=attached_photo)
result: 7:33:18
